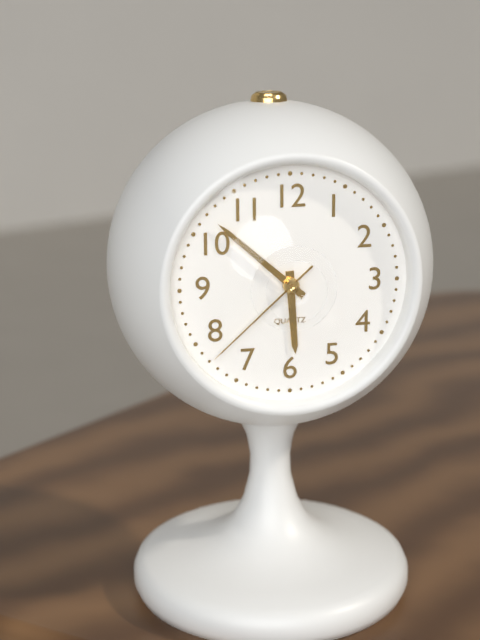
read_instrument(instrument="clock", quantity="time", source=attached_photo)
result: 5:52:38
